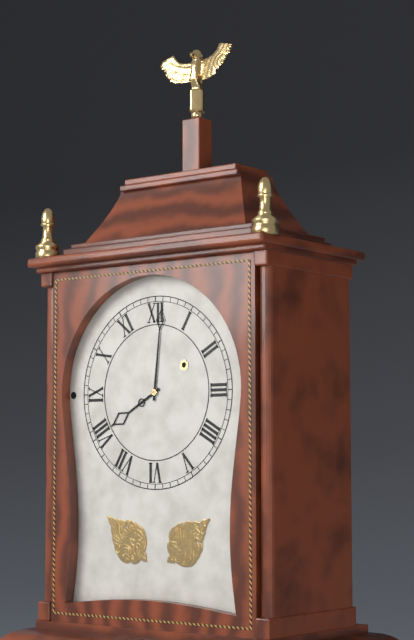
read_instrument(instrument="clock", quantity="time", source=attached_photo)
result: 8:01
